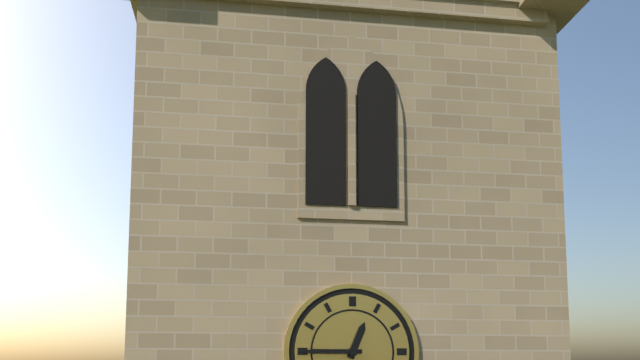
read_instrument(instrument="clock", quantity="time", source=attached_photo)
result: 12:45
